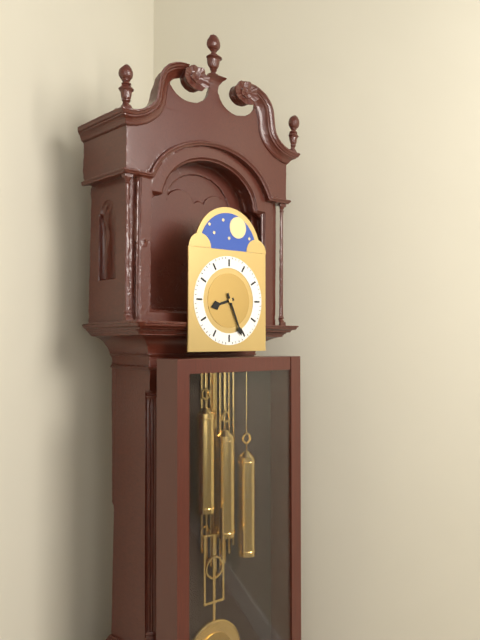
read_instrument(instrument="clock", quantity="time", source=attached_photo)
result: 8:26
